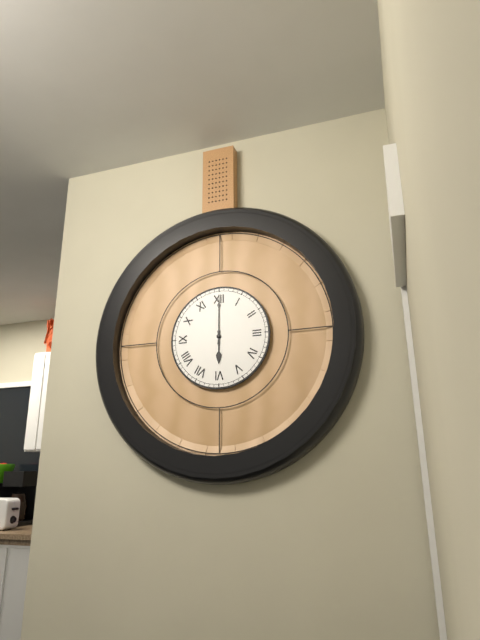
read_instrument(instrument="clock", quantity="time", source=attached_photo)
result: 6:00
